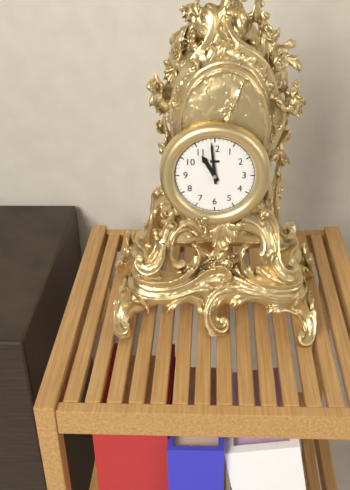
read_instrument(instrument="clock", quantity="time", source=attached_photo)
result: 10:59
